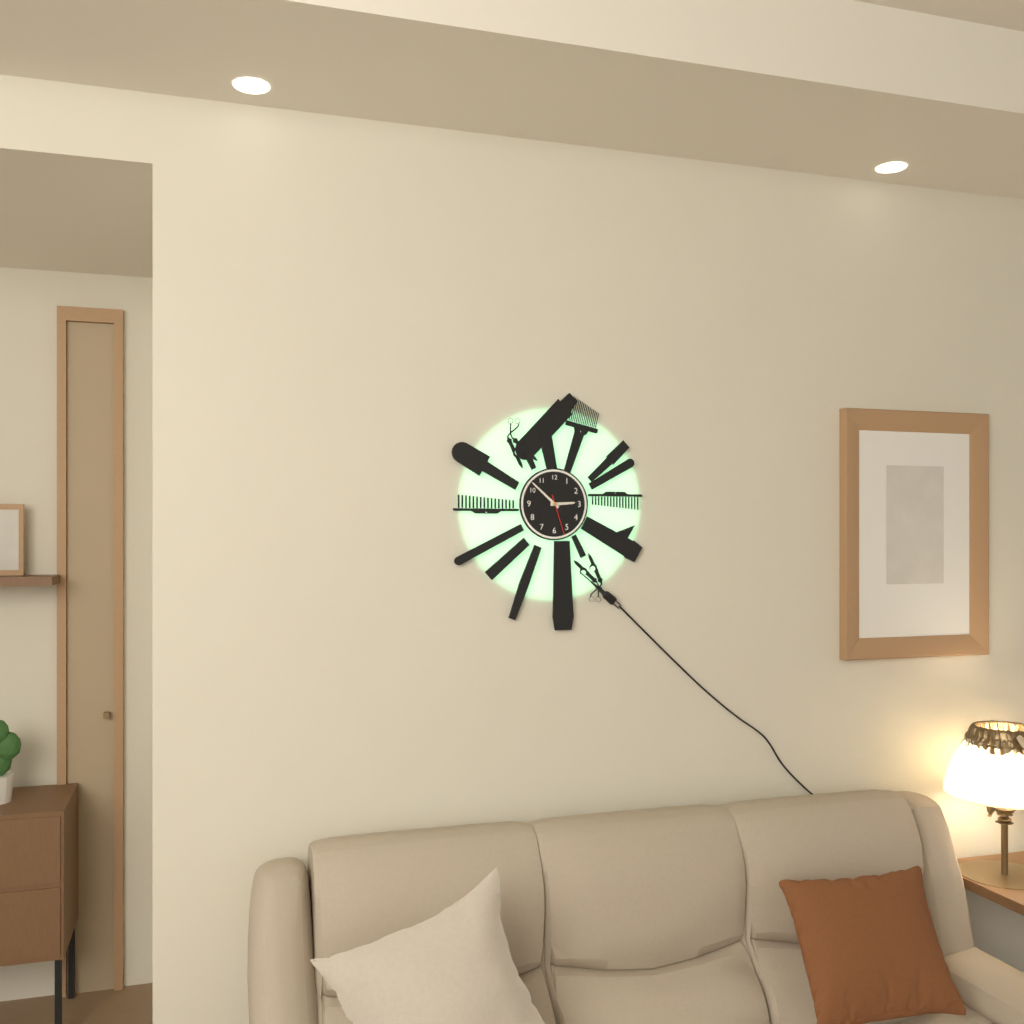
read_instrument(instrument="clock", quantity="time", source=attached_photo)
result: 2:52
